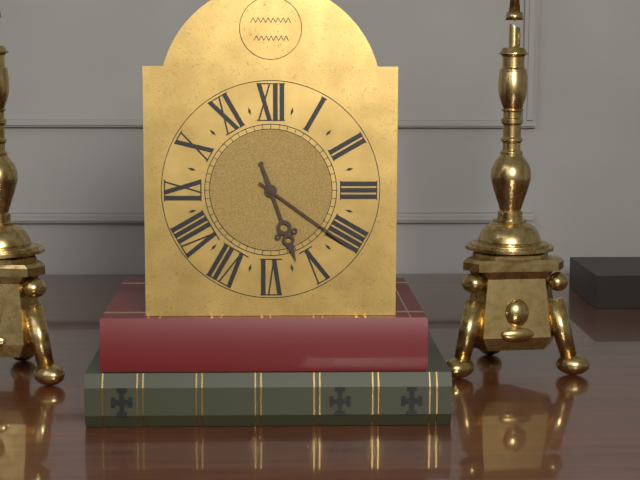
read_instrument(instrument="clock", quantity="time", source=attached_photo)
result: 5:21
